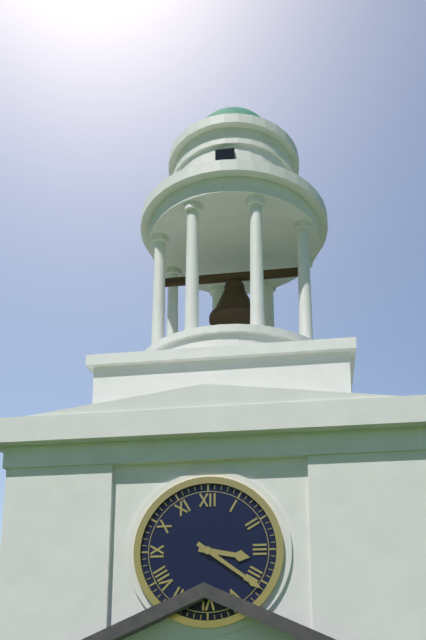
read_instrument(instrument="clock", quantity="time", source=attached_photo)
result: 3:21
